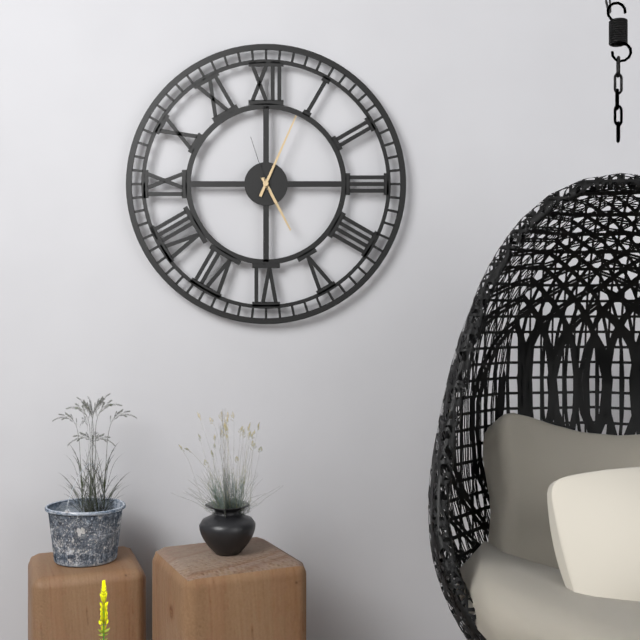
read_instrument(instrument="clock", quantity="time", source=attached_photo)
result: 5:04:57
